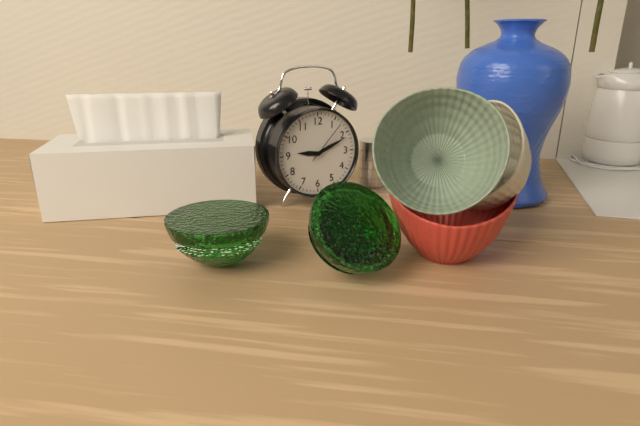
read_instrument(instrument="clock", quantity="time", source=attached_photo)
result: 9:11
